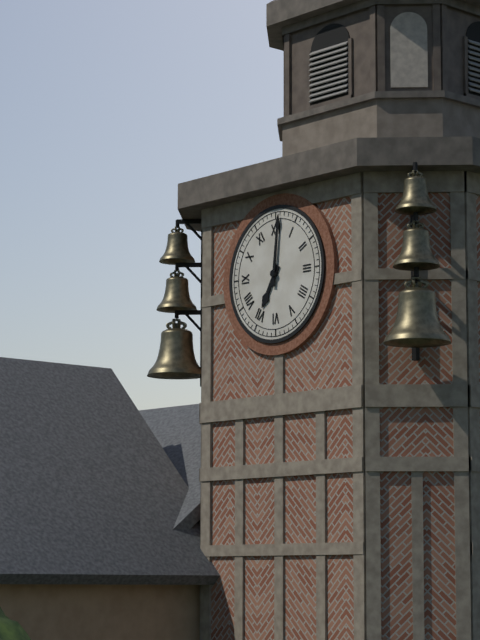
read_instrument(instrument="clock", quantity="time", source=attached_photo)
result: 7:01
